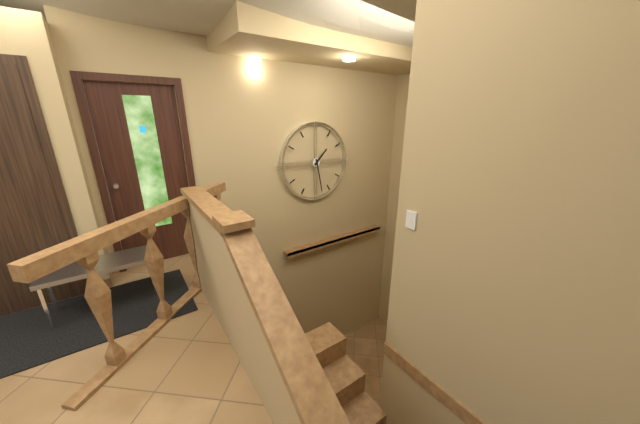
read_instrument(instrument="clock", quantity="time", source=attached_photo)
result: 1:28
